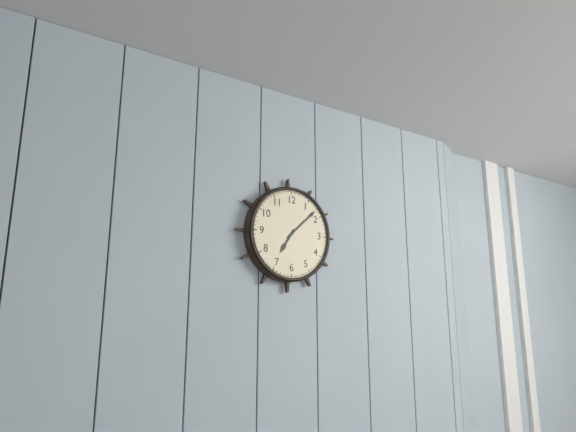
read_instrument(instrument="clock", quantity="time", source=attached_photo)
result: 7:08
